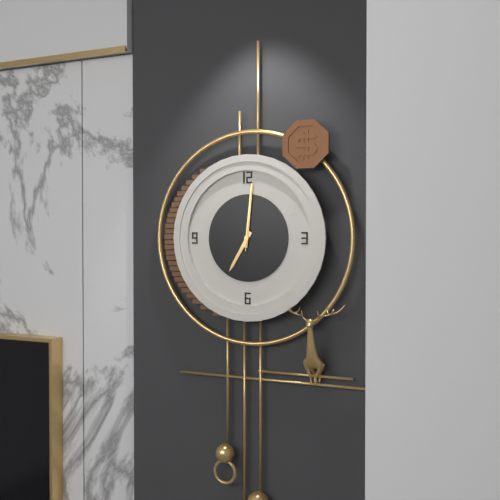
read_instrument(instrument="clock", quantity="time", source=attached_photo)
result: 7:01:01
